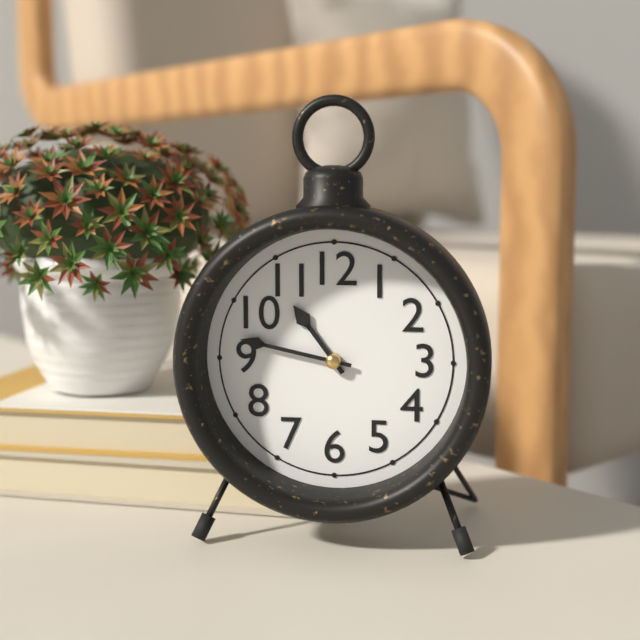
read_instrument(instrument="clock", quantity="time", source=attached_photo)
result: 10:47
